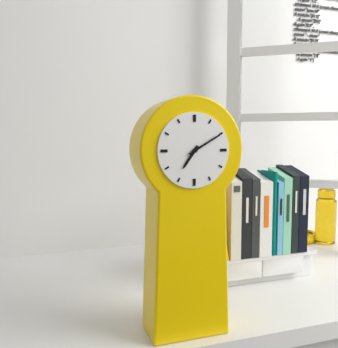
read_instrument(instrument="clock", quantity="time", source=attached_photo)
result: 7:10
